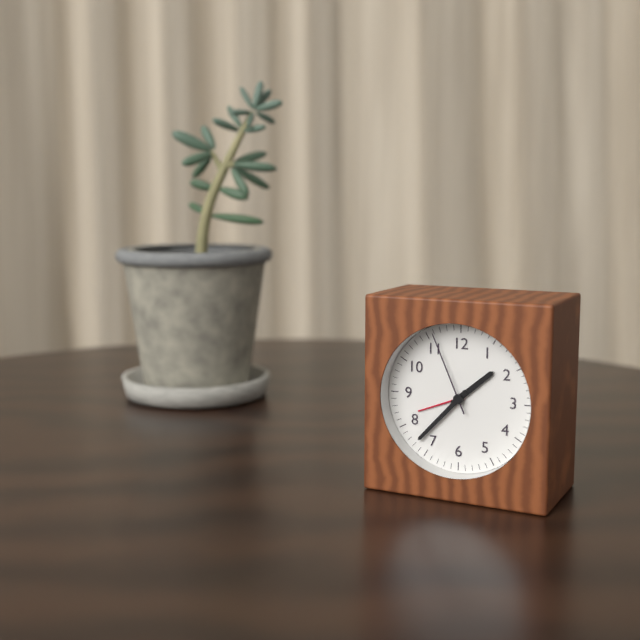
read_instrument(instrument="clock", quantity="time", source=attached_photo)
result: 1:37:56
